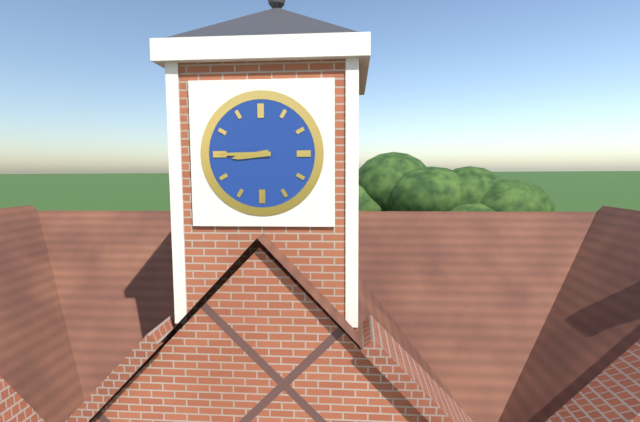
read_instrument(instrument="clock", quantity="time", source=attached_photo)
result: 8:45
